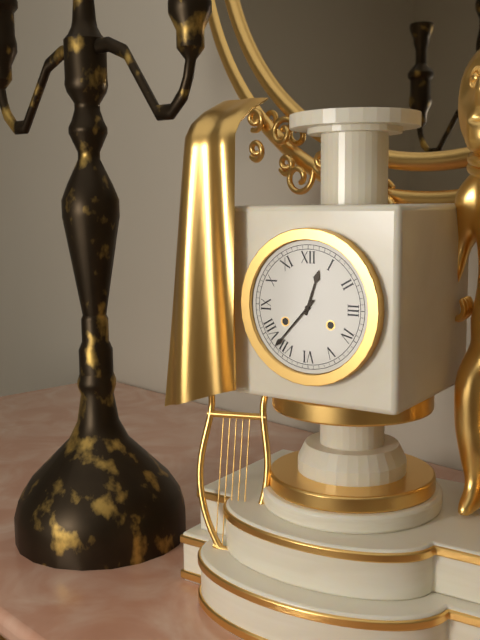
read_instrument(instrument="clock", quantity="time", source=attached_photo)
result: 12:37
